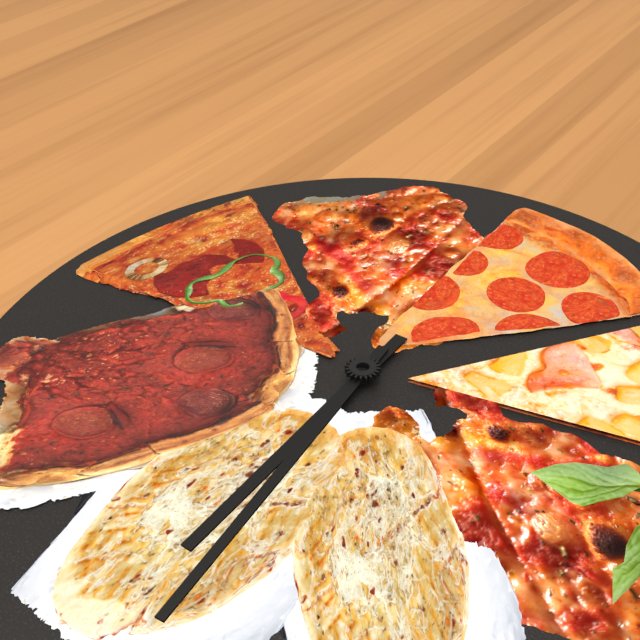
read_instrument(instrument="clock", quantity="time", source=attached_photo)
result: 11:59
